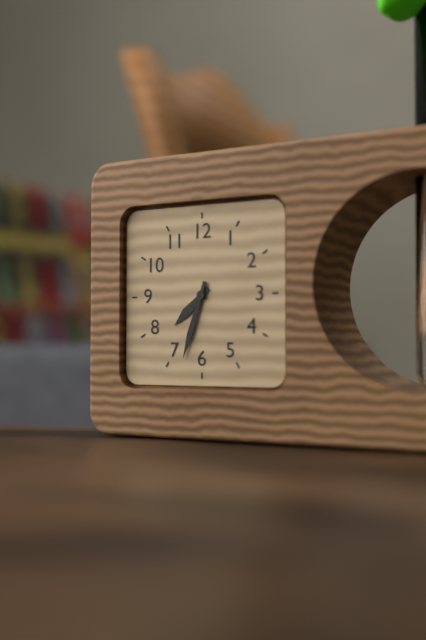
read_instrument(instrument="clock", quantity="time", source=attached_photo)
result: 7:33
